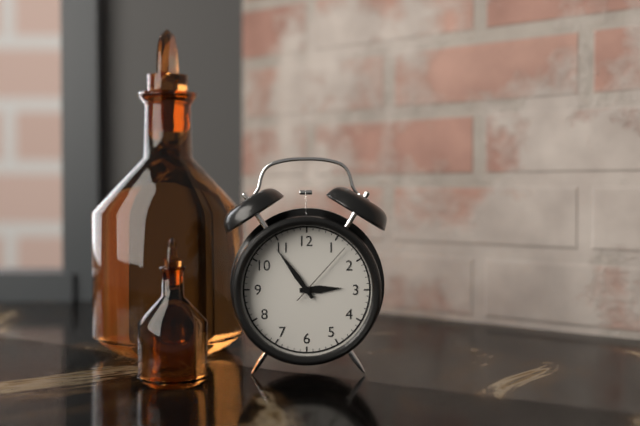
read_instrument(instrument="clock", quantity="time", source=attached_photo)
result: 2:54:07
